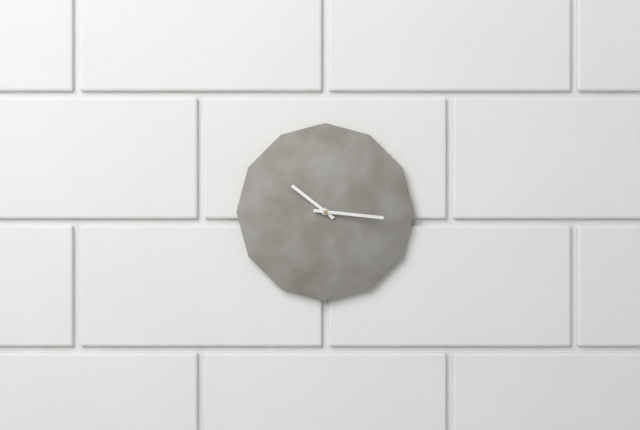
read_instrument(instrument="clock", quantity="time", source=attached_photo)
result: 10:16
